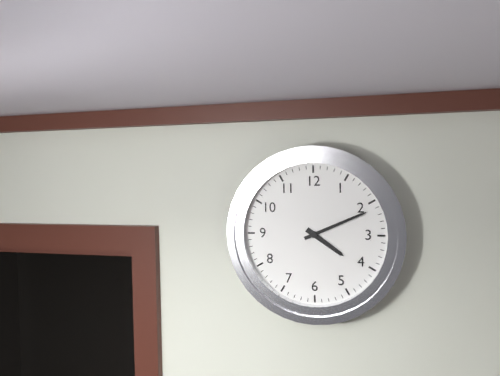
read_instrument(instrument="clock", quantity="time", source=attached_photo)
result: 4:11
